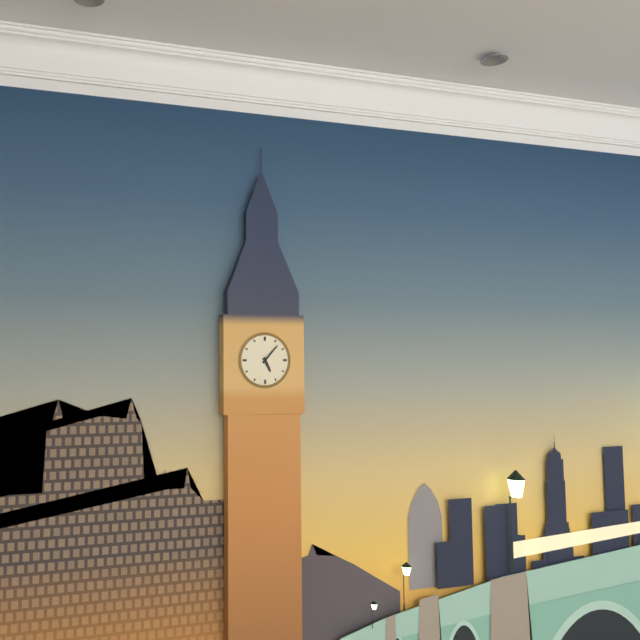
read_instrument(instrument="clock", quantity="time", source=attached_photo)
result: 5:07
